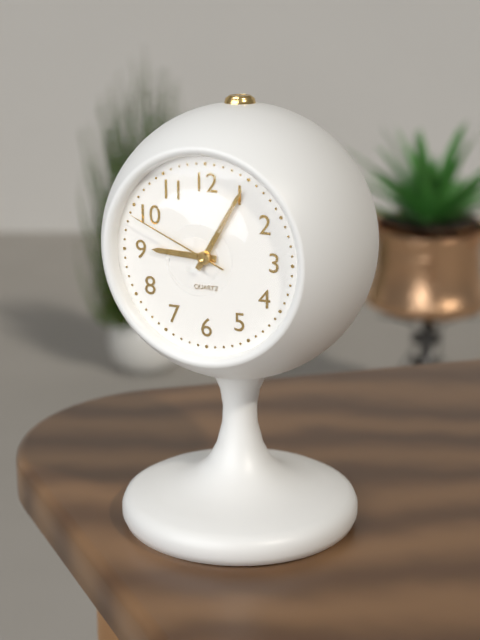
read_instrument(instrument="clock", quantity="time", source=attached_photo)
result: 9:05:49
